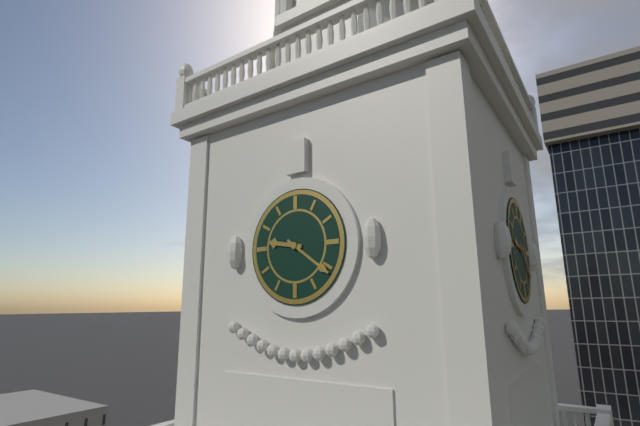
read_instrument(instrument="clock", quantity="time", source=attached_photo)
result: 9:21
